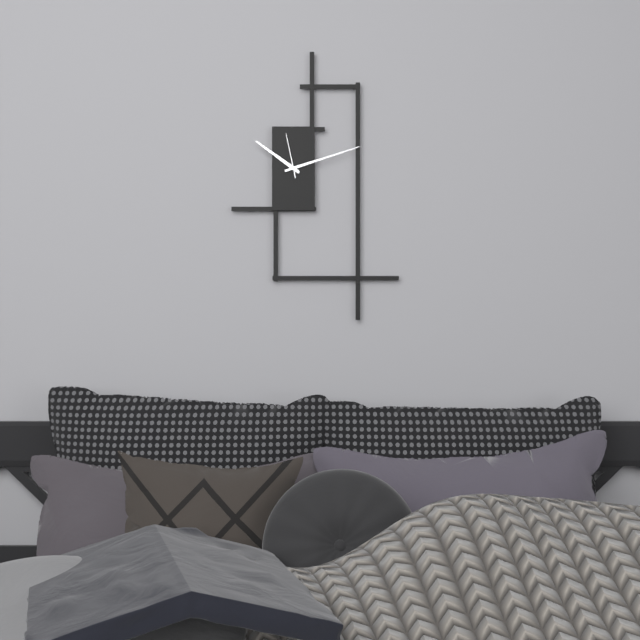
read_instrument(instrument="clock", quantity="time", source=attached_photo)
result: 10:12
